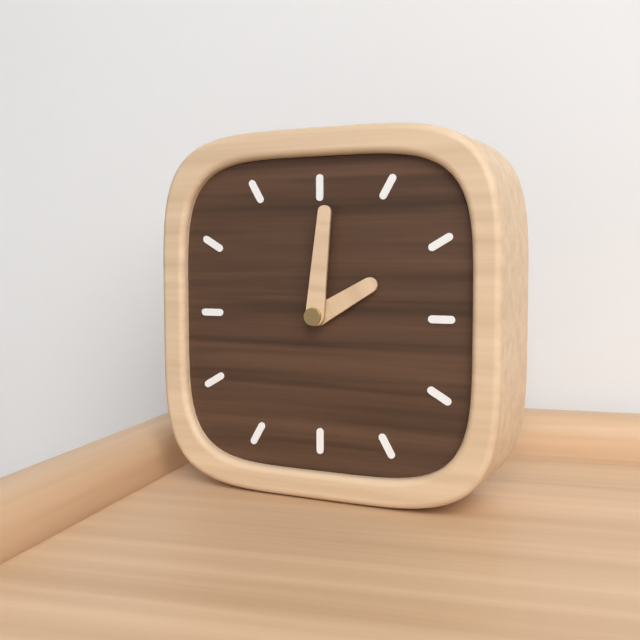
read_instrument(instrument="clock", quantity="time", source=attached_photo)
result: 2:01
